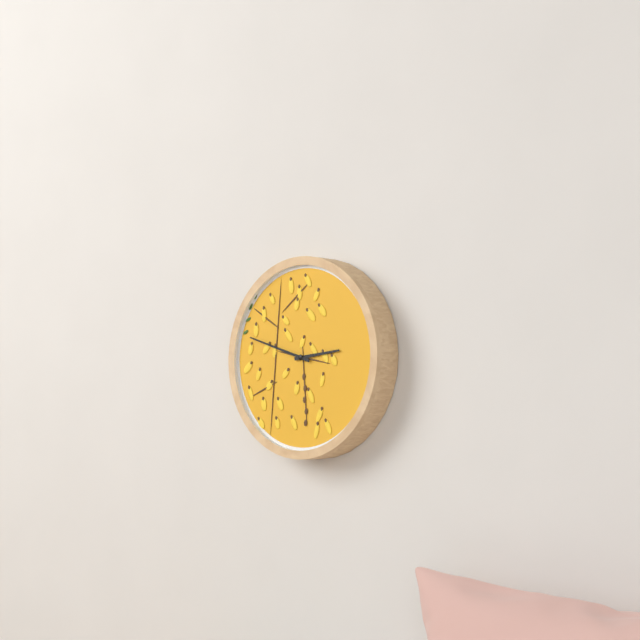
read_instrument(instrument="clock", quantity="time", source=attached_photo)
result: 2:48
